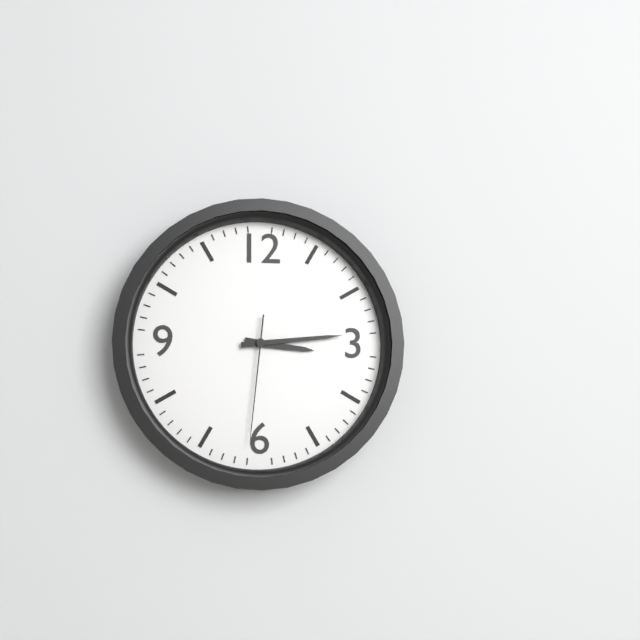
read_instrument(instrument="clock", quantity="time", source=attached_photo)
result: 3:14:31
